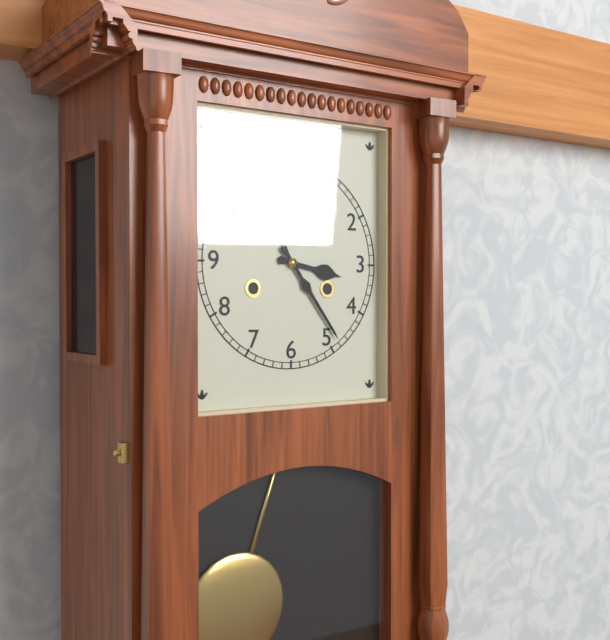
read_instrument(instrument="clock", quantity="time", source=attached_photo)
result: 3:24
